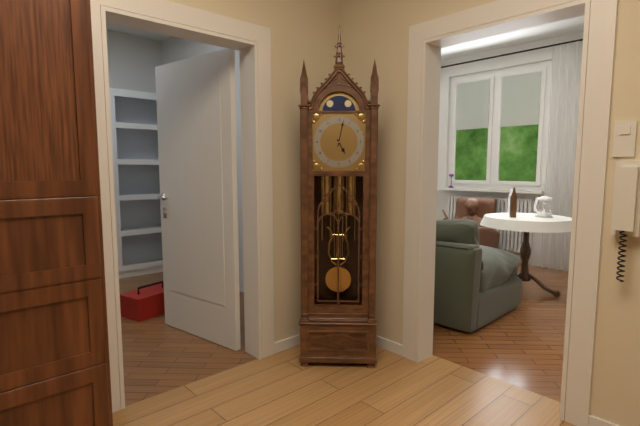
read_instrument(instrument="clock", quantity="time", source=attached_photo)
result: 5:02
